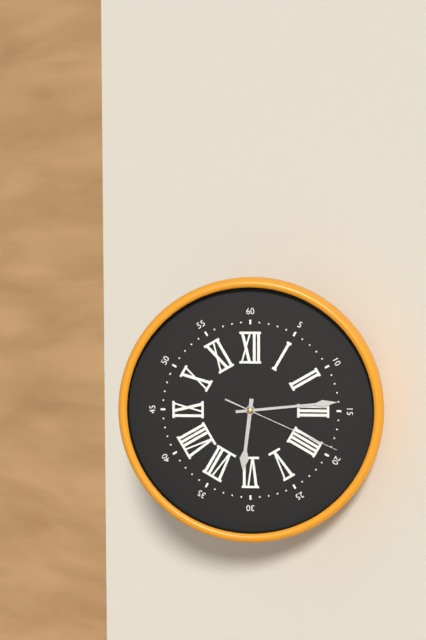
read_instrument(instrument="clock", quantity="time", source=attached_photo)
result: 6:14:19
